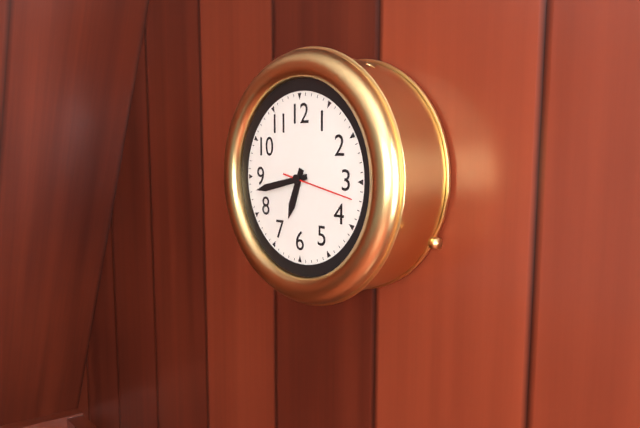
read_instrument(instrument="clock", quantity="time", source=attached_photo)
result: 6:43:17
